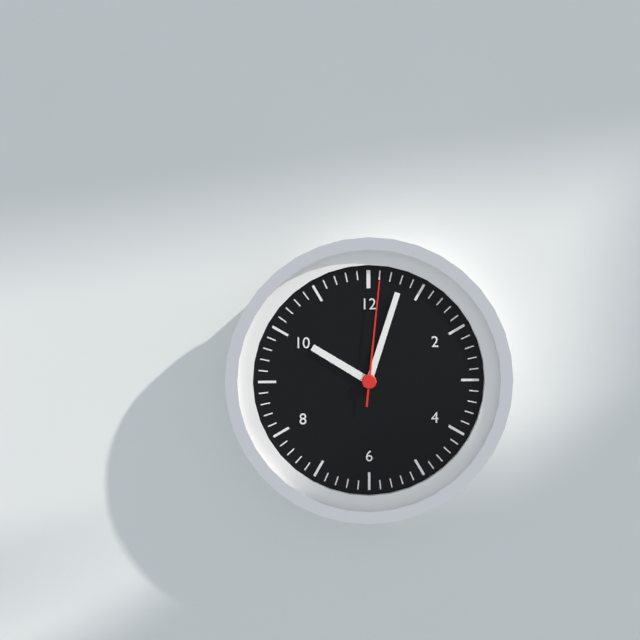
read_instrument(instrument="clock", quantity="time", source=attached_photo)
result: 10:03:01
